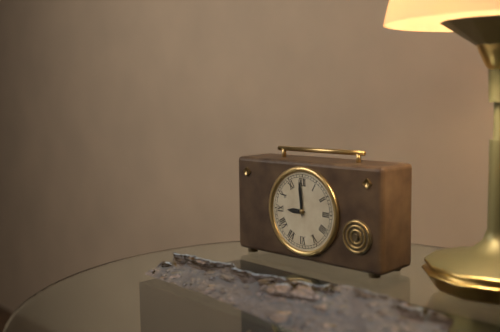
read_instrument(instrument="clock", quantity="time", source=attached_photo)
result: 8:59
